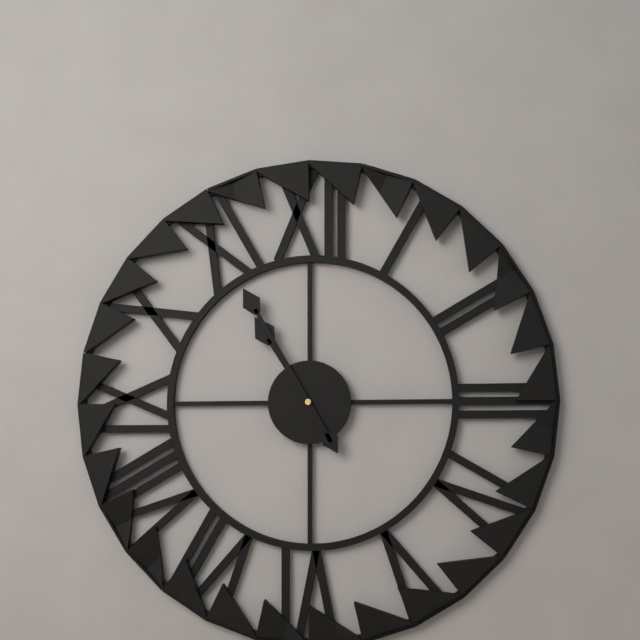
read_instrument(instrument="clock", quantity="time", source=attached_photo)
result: 10:55
